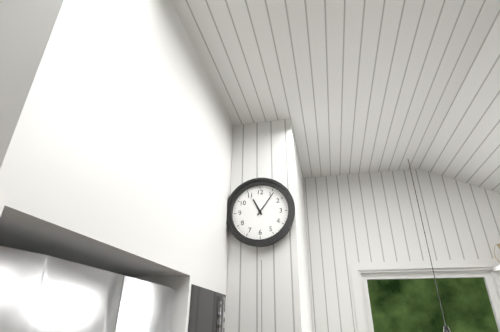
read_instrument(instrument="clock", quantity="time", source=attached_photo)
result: 11:06
